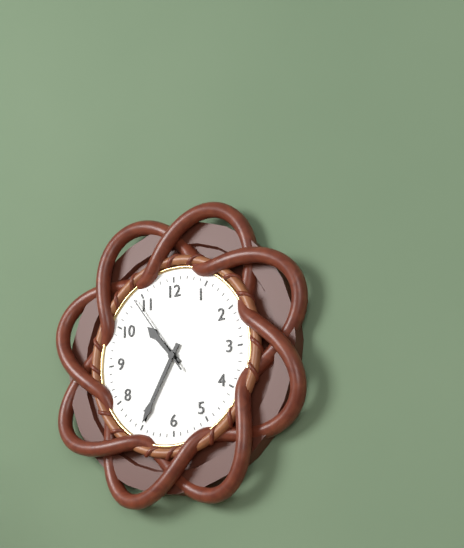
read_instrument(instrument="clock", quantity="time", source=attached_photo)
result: 10:35:54
